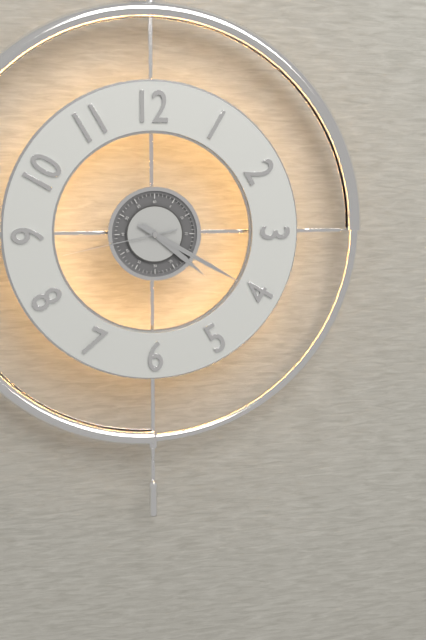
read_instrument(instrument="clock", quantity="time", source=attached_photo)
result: 4:20:43
